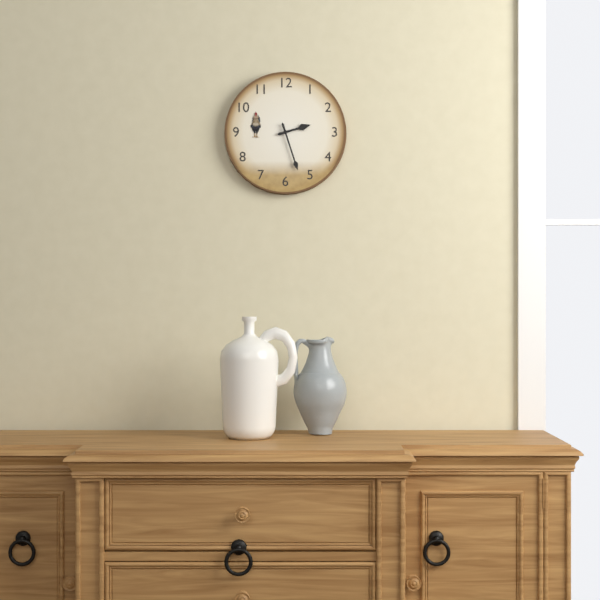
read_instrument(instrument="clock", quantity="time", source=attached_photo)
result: 2:27
